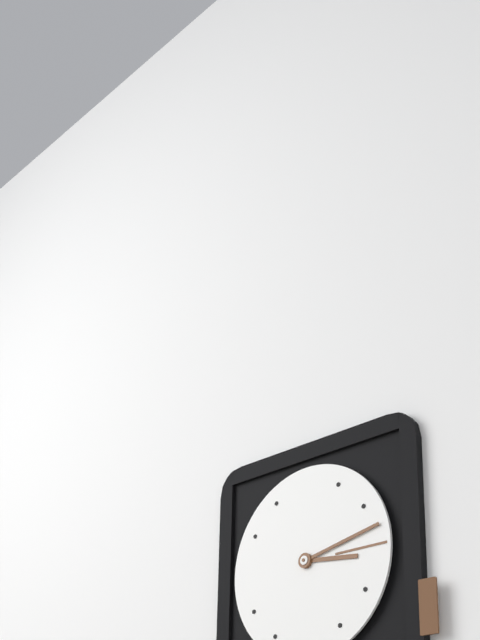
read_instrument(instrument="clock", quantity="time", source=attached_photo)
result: 3:13
